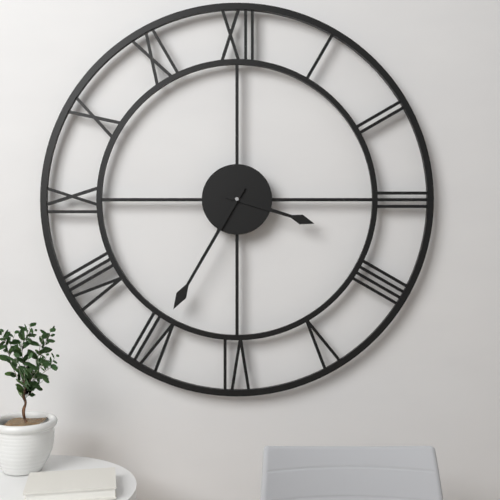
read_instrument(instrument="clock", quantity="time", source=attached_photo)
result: 3:35
